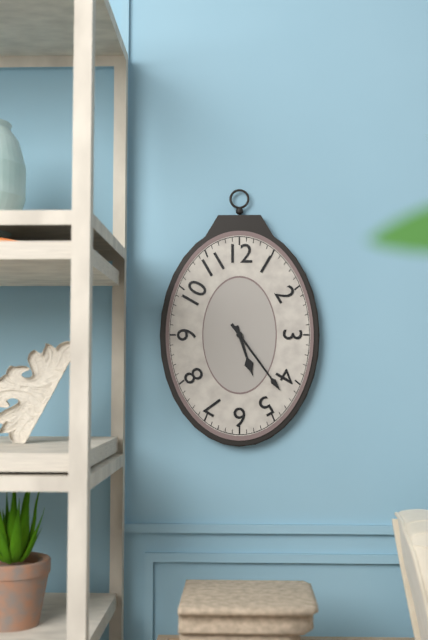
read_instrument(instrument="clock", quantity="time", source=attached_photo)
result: 5:24
